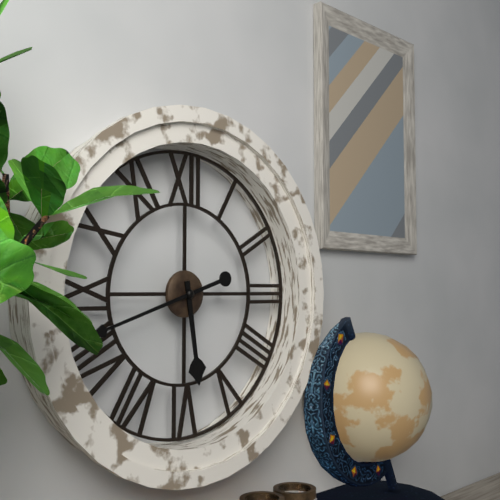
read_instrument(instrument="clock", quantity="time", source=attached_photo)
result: 5:42
